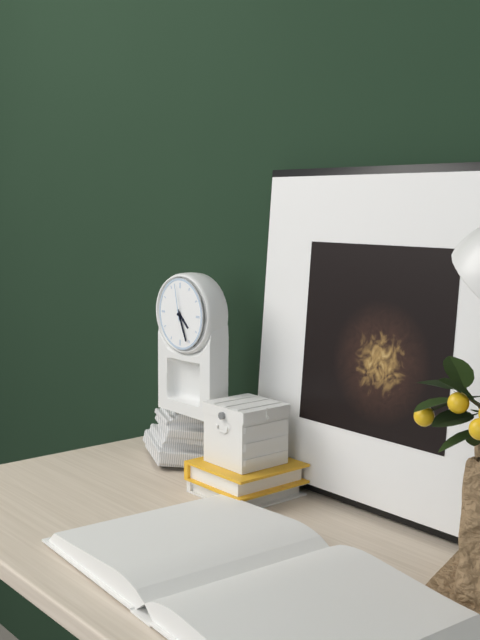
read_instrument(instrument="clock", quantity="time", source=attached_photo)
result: 4:26
